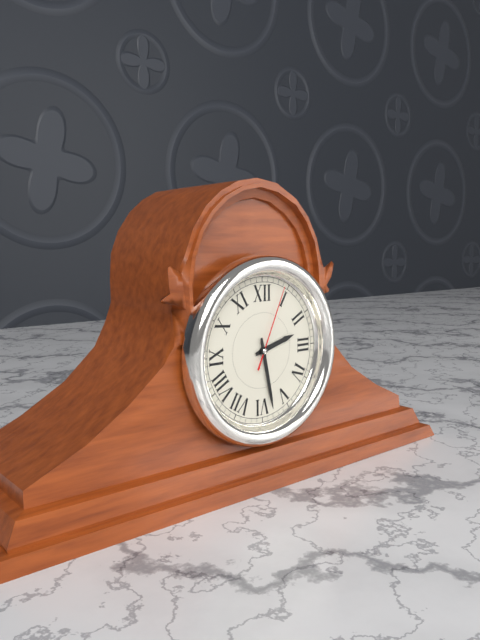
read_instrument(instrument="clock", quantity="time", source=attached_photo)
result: 2:28:04
